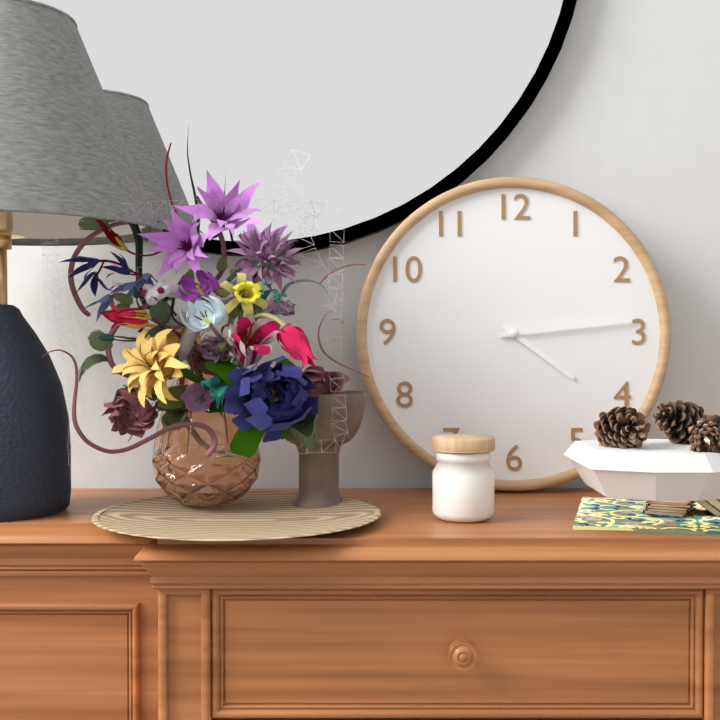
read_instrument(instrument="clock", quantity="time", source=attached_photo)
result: 4:14
